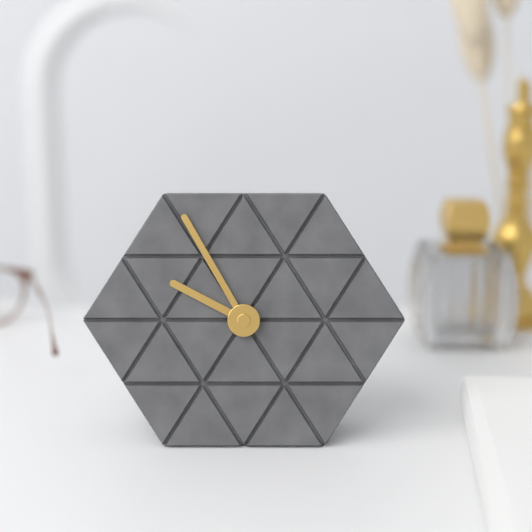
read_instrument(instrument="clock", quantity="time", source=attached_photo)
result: 9:55
